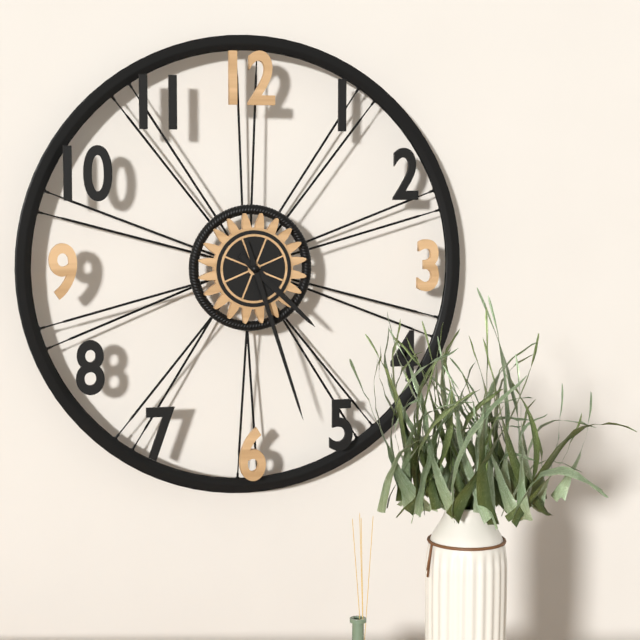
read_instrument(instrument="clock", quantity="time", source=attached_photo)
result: 4:27
